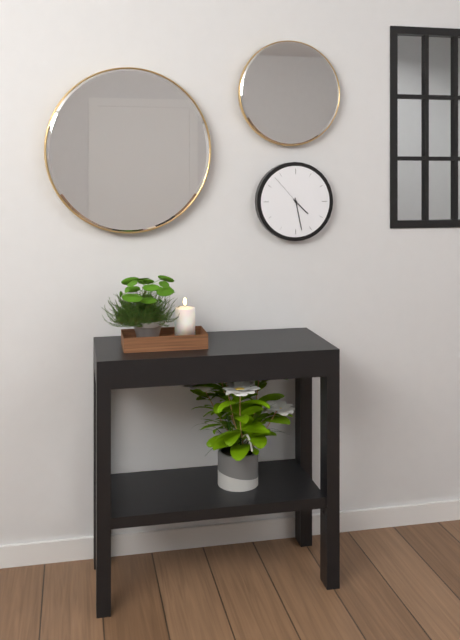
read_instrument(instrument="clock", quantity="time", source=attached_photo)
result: 4:28
